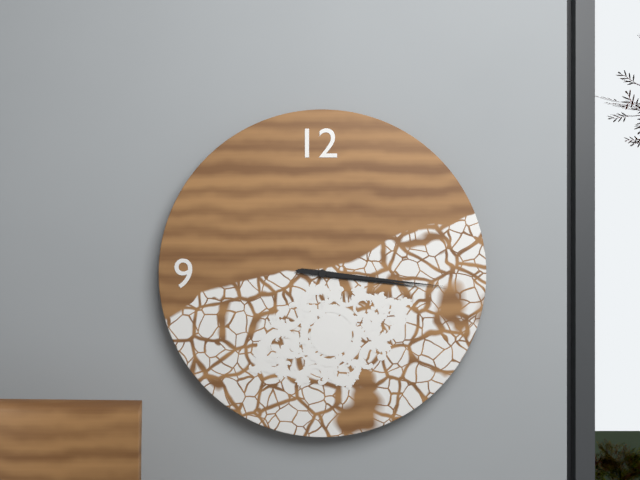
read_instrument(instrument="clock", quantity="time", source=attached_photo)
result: 3:16
